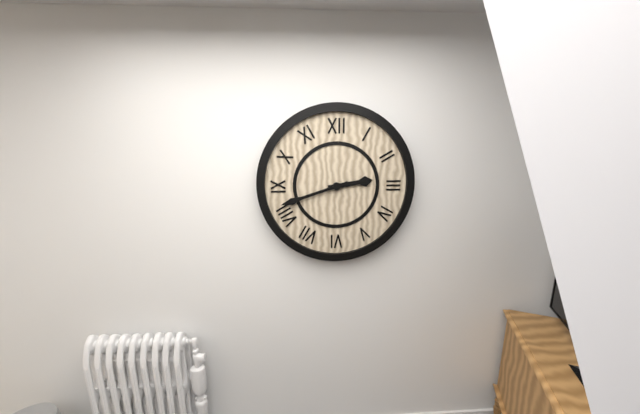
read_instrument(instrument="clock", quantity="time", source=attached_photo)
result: 2:42
